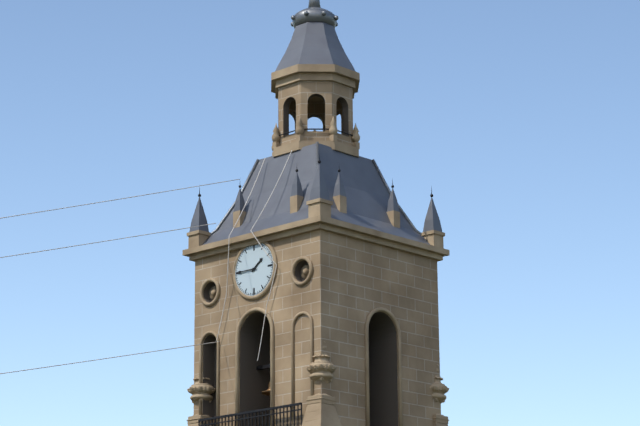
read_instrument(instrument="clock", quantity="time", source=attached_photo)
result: 1:45
